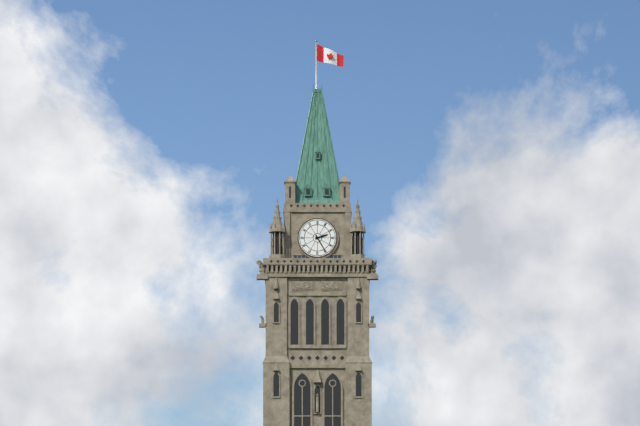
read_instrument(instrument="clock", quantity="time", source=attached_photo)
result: 2:25
